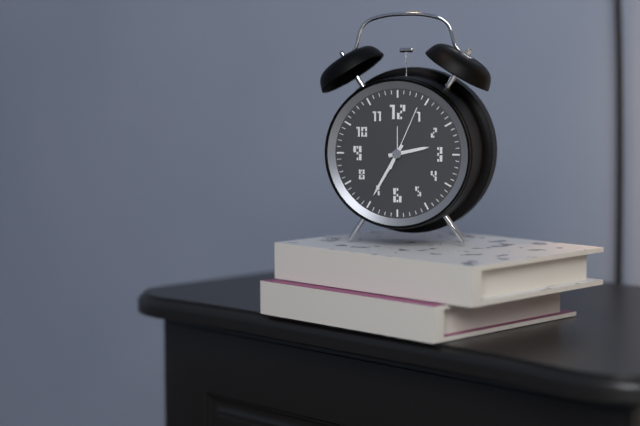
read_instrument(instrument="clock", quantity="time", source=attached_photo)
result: 2:35:04
